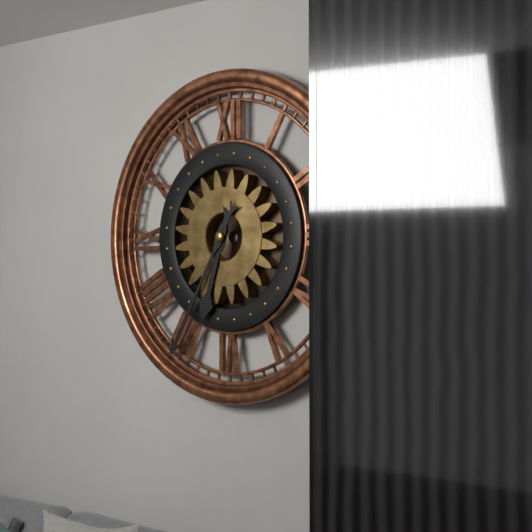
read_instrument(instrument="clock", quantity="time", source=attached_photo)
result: 6:35
